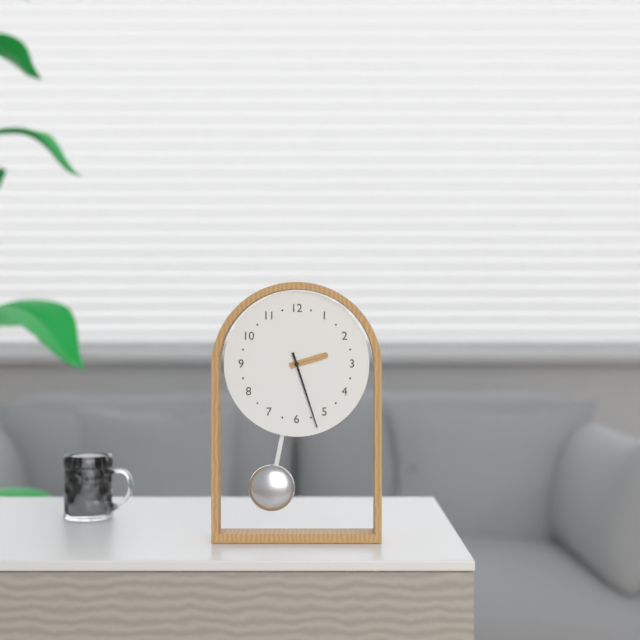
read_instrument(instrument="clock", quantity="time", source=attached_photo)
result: 2:27
